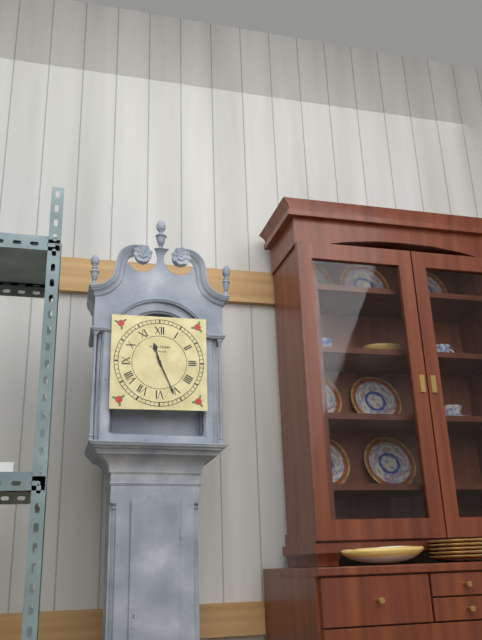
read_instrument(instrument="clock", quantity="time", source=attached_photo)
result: 11:26
